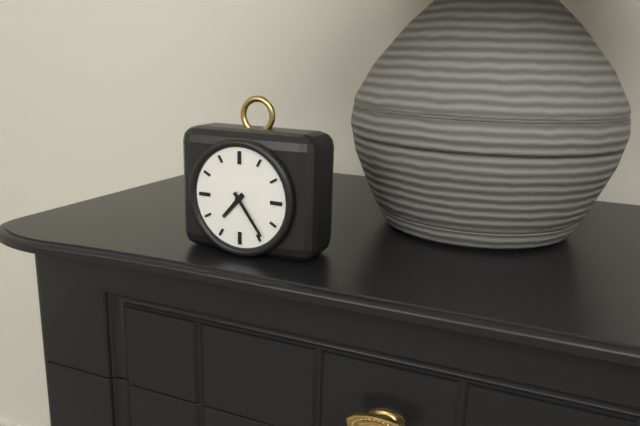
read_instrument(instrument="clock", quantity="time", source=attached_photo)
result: 7:24
